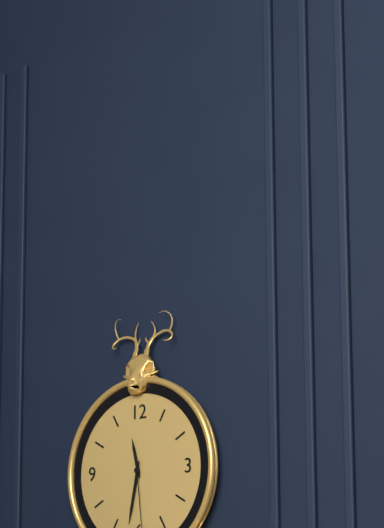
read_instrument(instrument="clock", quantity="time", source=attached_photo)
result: 11:32
